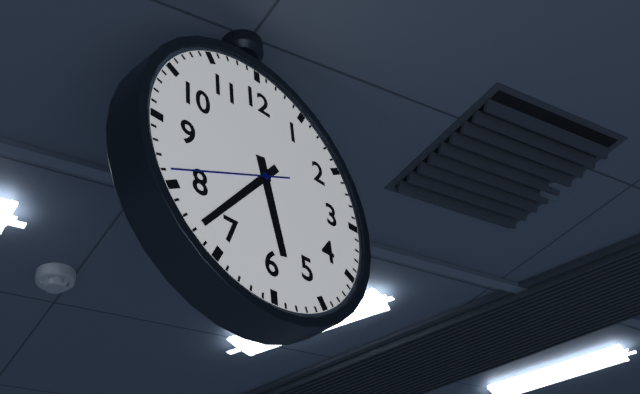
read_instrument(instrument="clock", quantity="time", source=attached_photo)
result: 5:37:41
